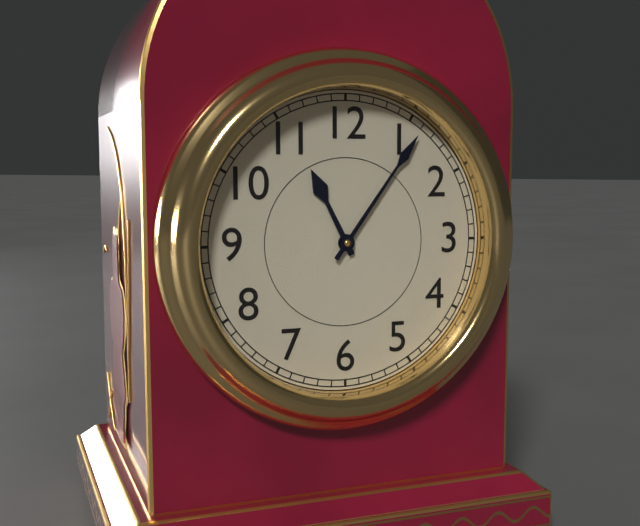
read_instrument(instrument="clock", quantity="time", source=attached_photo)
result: 11:06
